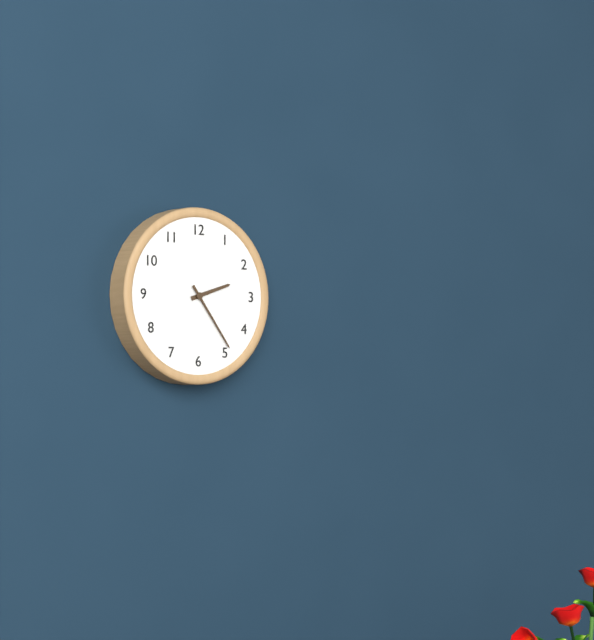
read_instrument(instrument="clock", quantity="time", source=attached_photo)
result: 2:24
